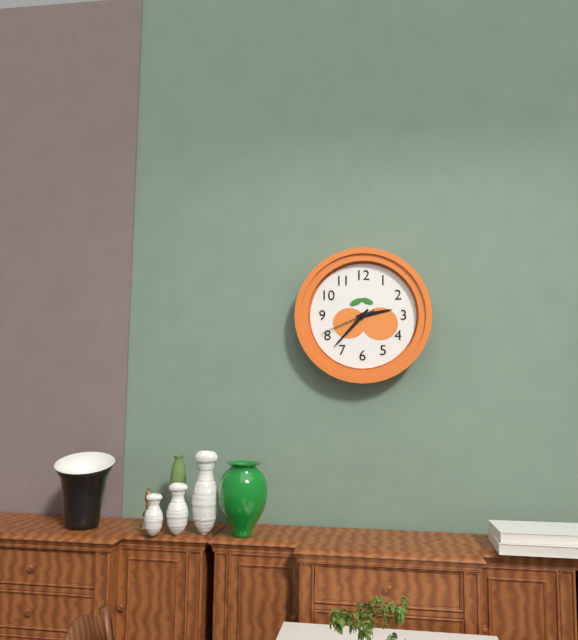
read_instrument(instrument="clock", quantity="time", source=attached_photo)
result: 2:37:41
